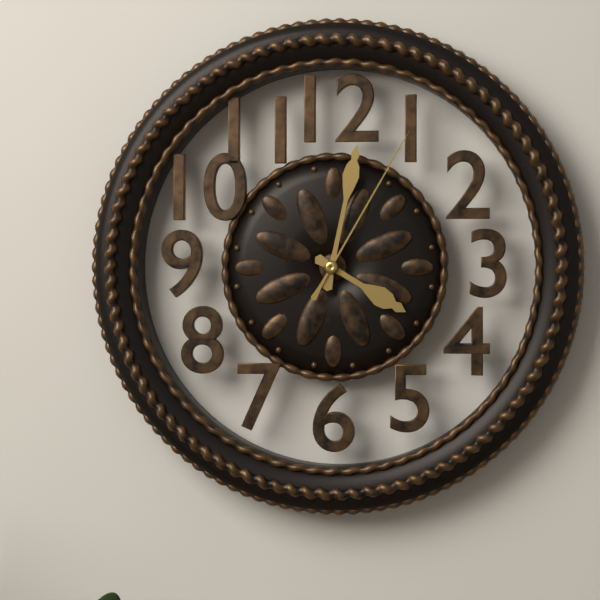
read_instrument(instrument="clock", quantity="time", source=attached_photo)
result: 4:02:05
